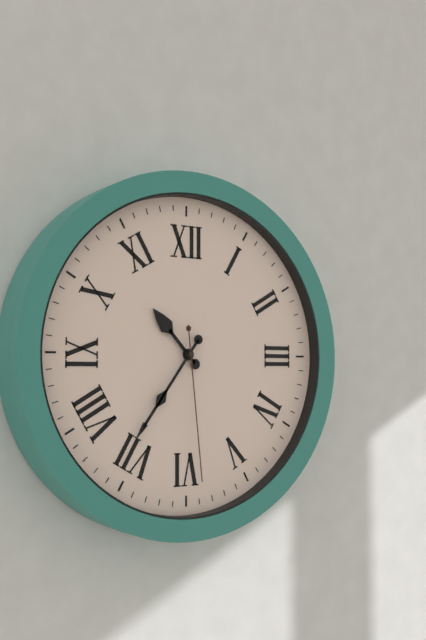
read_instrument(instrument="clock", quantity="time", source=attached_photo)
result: 10:36:29
